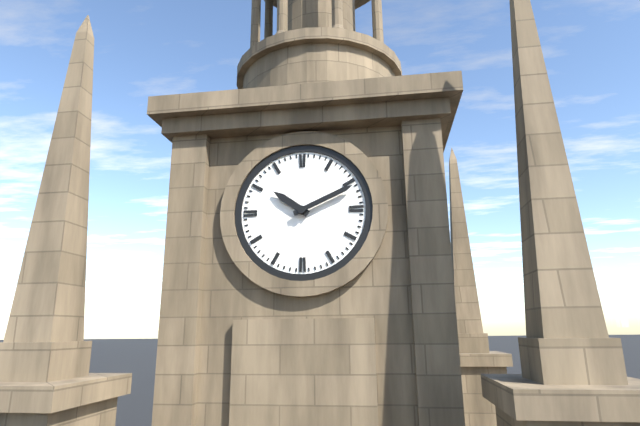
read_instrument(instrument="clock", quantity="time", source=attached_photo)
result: 10:11
